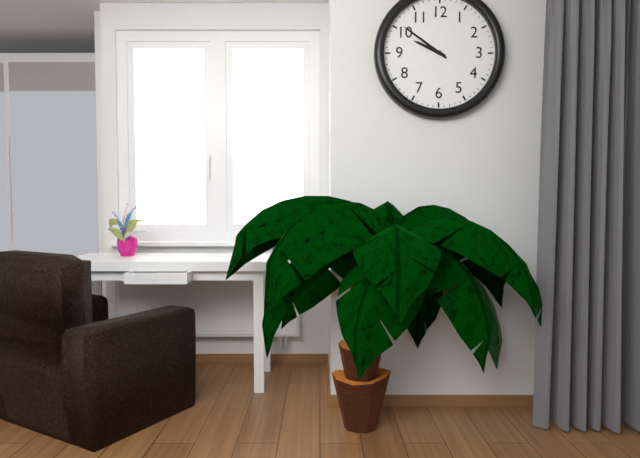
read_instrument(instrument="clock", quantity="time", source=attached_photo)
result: 9:51
